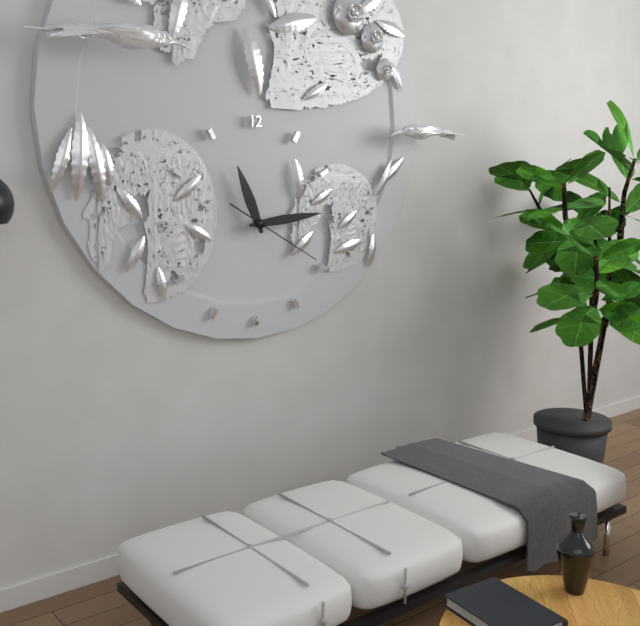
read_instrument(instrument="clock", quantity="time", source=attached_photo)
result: 11:14:20
